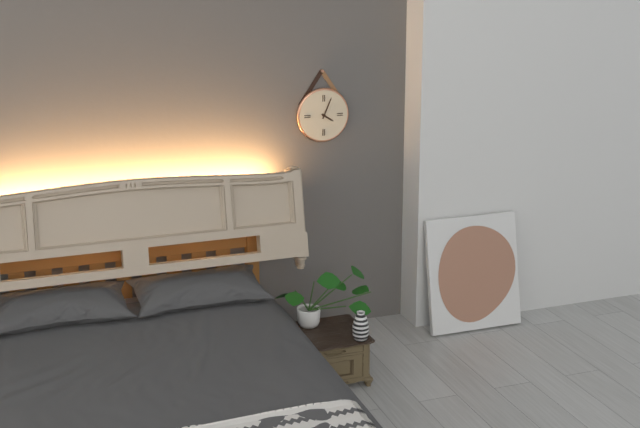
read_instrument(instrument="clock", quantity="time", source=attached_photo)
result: 4:04
